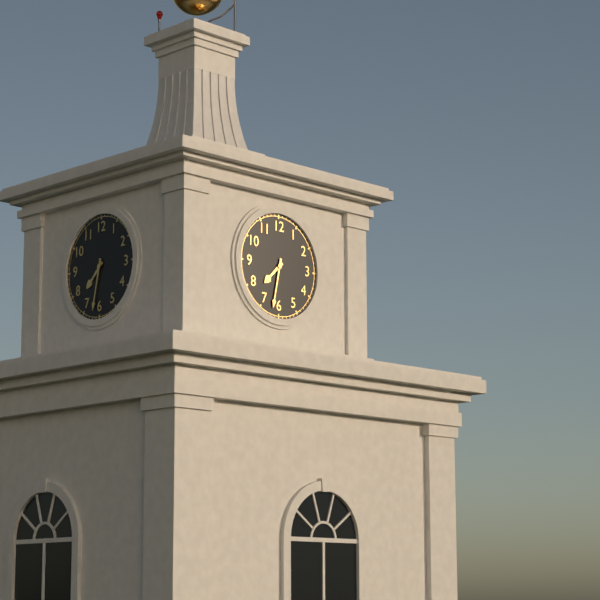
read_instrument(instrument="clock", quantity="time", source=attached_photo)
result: 7:32
